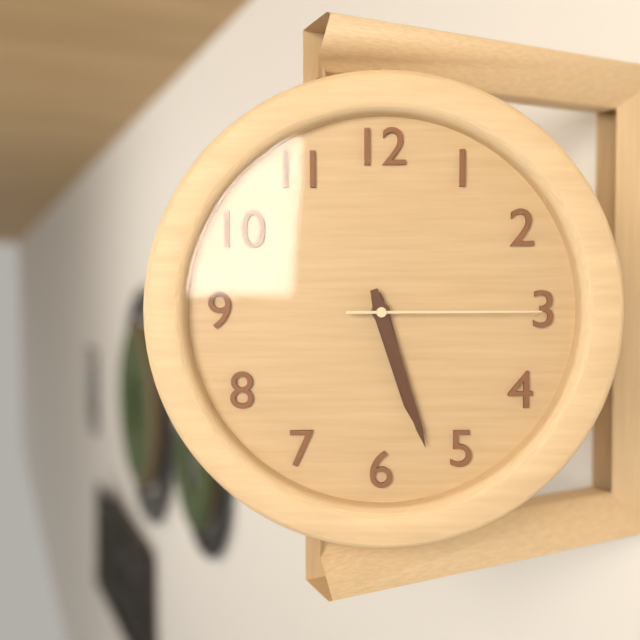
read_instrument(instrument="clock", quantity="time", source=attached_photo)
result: 5:27:15
